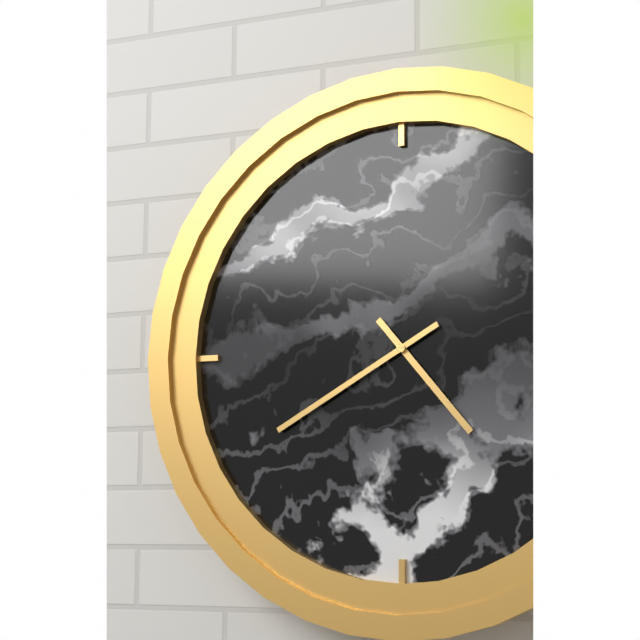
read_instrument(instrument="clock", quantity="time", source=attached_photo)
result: 4:40
